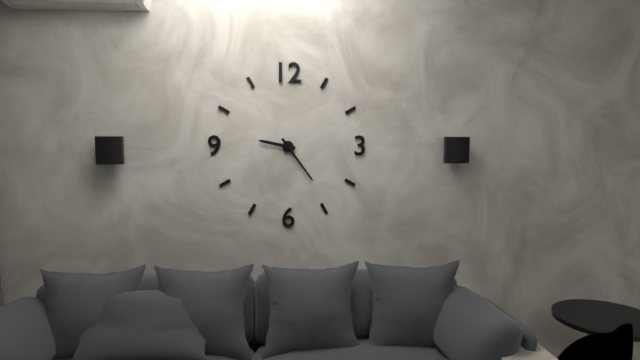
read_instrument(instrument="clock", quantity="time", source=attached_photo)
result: 9:24
